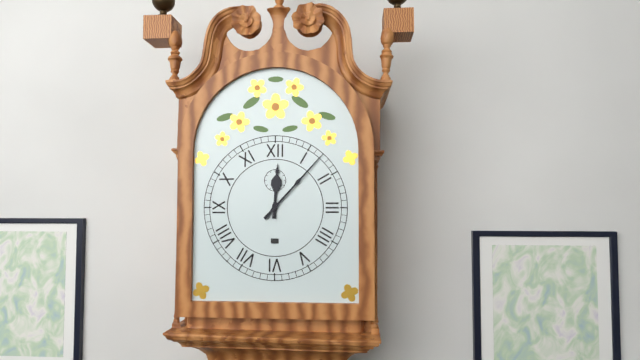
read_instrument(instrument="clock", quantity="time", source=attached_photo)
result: 12:07
